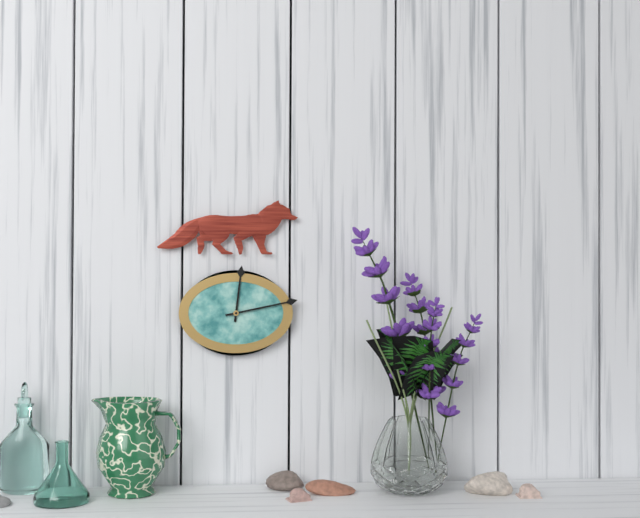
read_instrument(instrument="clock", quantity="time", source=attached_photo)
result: 12:13
